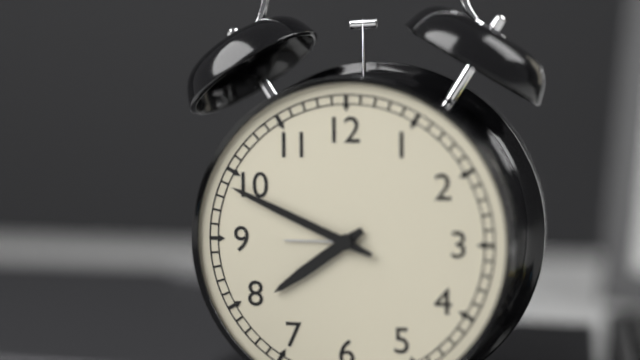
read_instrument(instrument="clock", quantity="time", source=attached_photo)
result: 7:49
